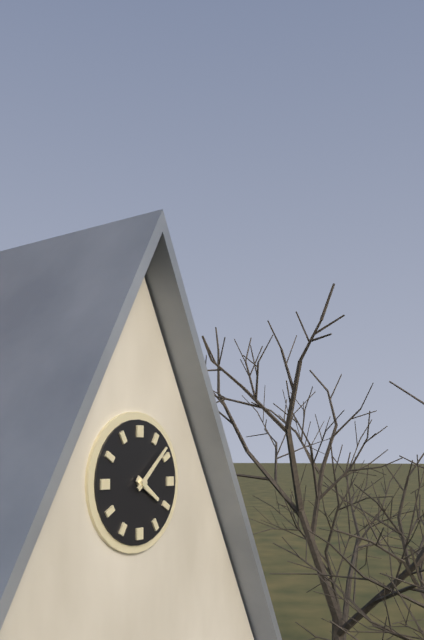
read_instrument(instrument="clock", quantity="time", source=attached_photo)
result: 4:08
